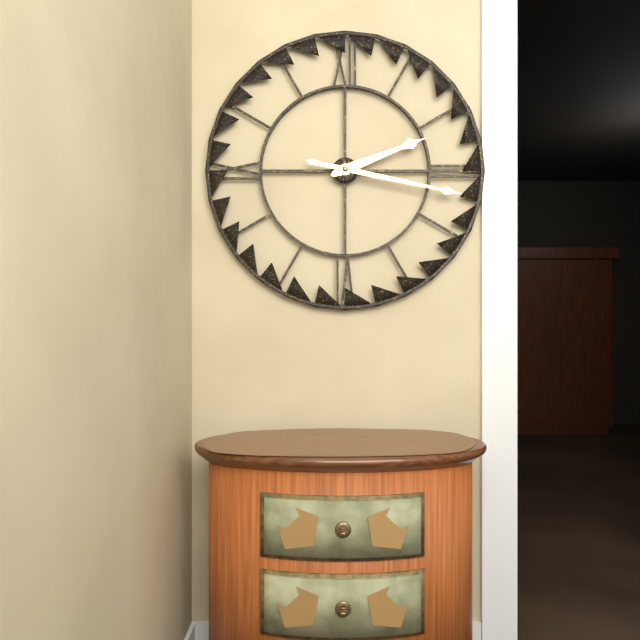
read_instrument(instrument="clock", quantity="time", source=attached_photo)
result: 2:17
